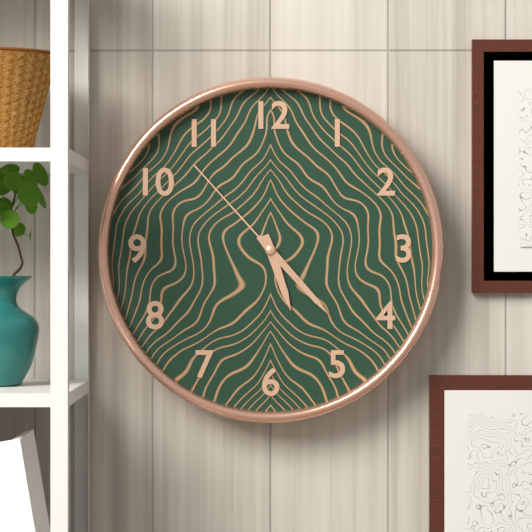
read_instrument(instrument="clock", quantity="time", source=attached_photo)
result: 5:23:53
